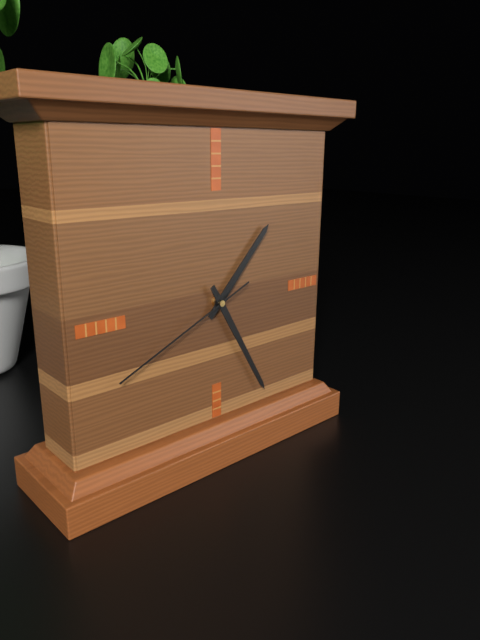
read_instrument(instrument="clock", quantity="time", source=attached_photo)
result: 1:25:41
